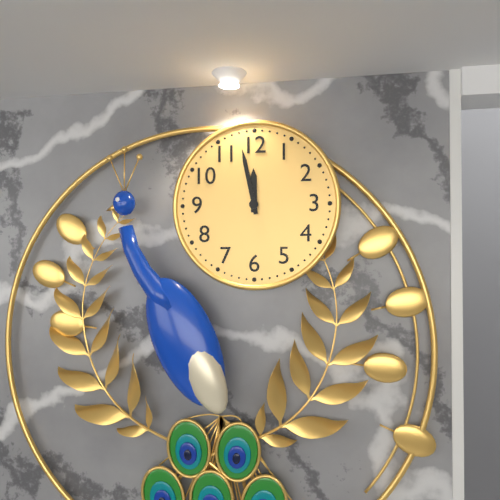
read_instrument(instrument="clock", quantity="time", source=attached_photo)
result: 11:58
